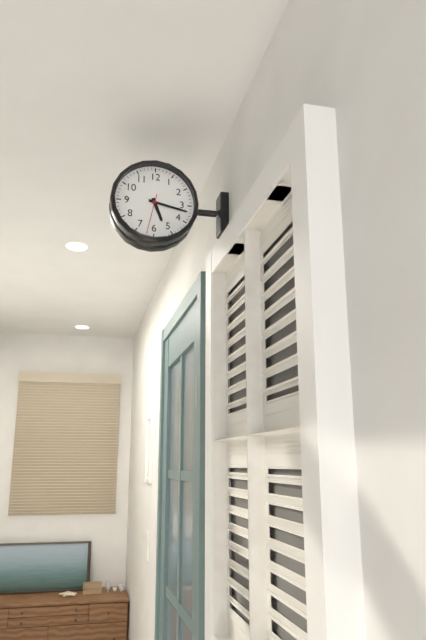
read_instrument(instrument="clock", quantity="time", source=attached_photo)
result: 5:17
